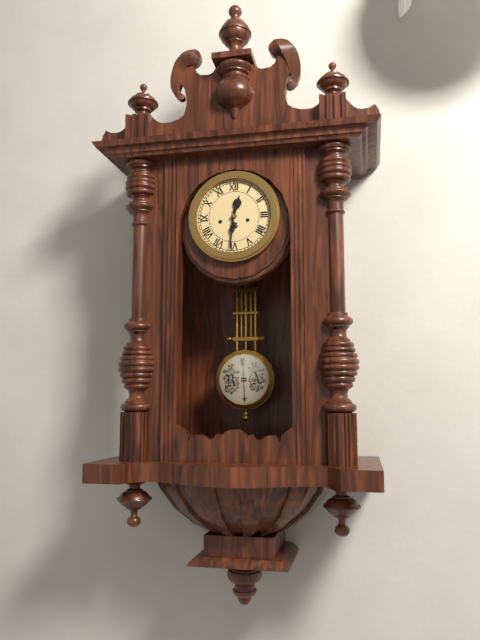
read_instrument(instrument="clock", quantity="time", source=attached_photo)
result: 12:31
